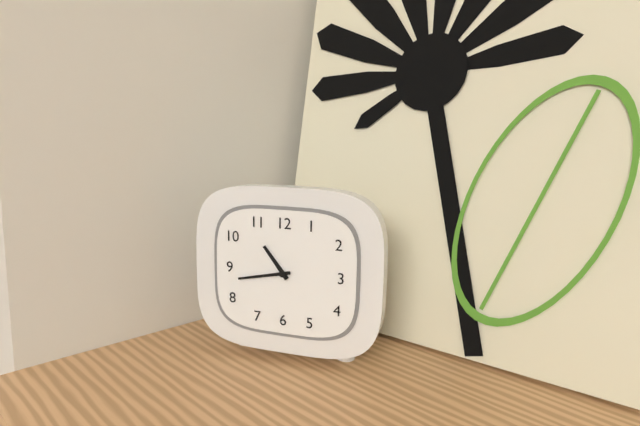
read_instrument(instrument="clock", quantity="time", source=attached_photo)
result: 10:43
